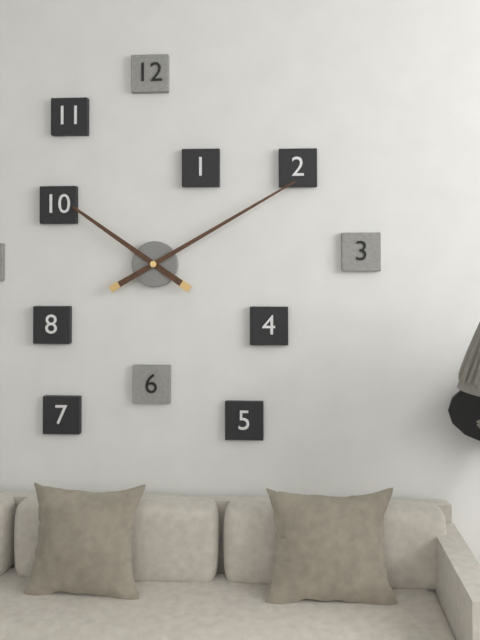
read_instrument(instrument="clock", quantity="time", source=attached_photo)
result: 10:10
